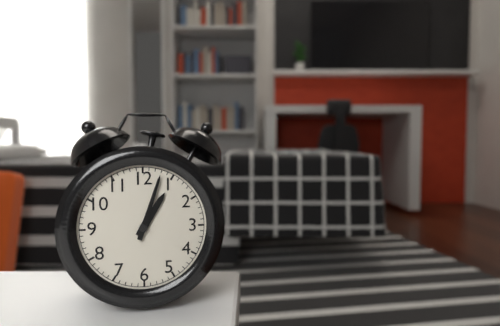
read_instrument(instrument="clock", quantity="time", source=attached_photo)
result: 1:03
